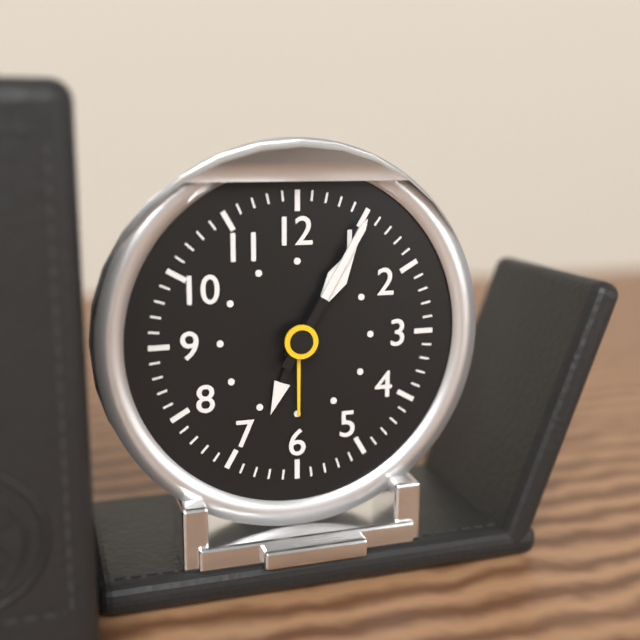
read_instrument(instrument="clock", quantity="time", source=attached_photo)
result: 1:05
